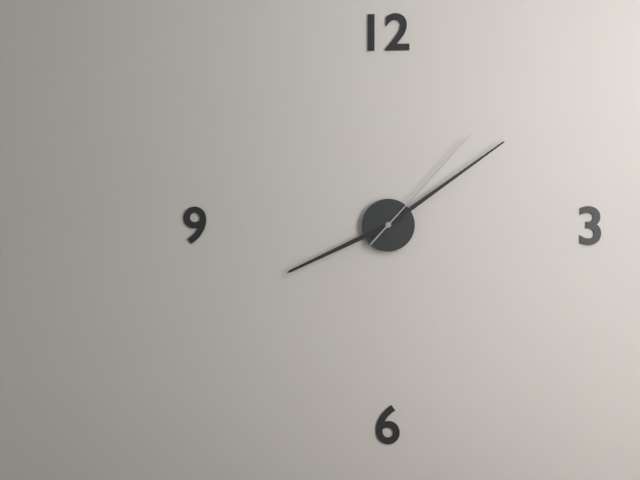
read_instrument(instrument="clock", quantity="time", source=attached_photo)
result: 8:09:07
